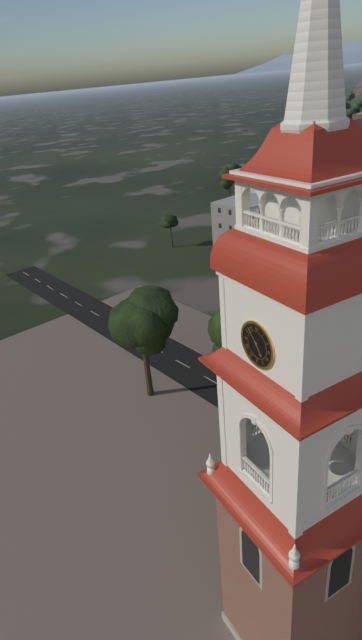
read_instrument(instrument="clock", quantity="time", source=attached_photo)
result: 4:53
